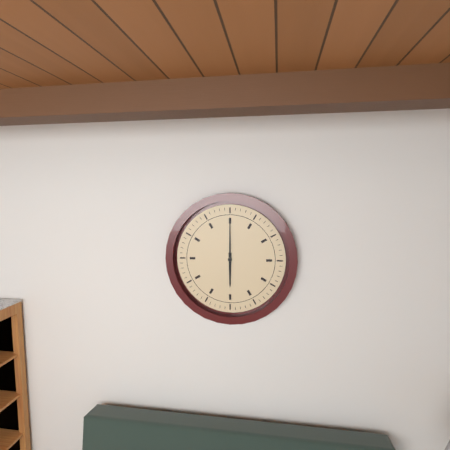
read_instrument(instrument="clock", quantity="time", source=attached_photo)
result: 6:00
